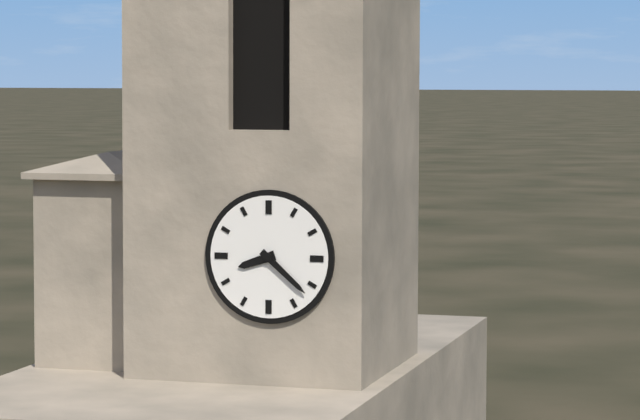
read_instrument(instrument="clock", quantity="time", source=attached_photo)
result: 8:22
